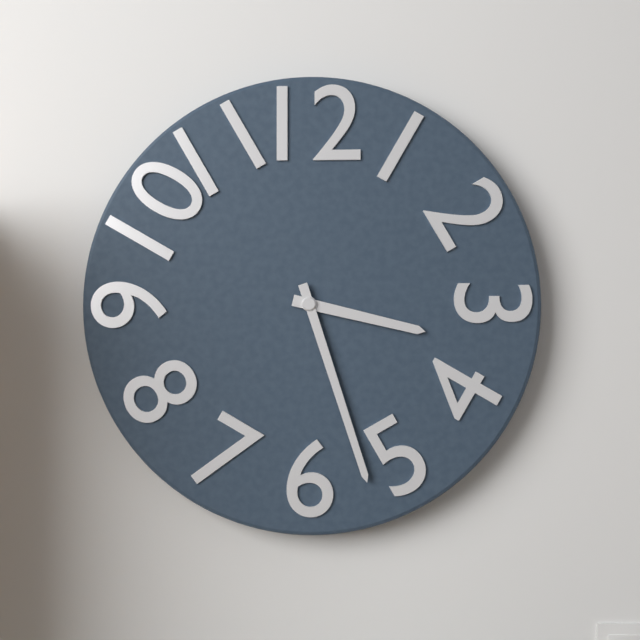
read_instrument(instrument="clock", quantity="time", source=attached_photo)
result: 3:27
